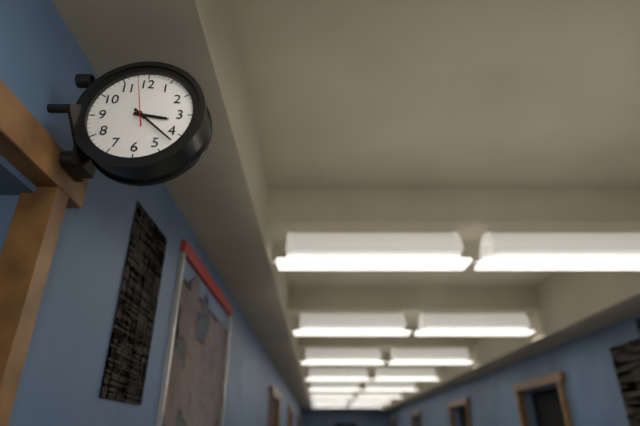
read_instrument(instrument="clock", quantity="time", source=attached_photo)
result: 3:22:58
